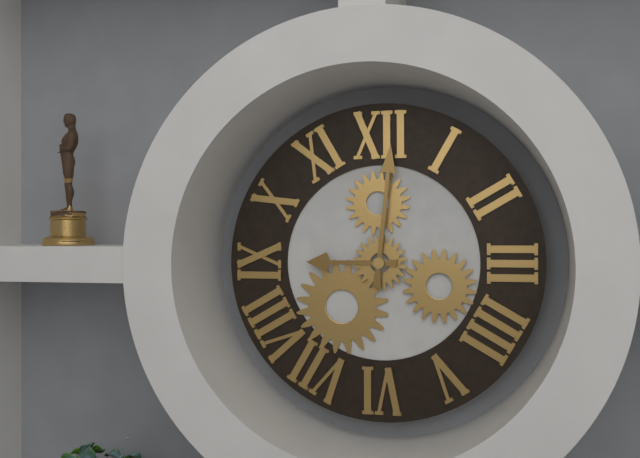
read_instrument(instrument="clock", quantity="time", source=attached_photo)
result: 9:01
